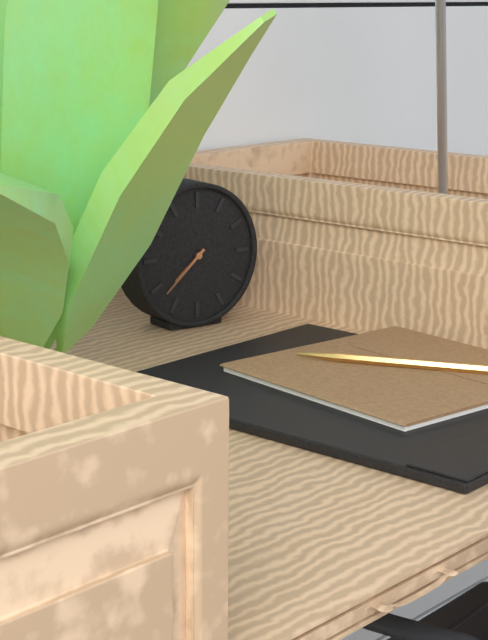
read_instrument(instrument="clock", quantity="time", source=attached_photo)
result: 7:38
